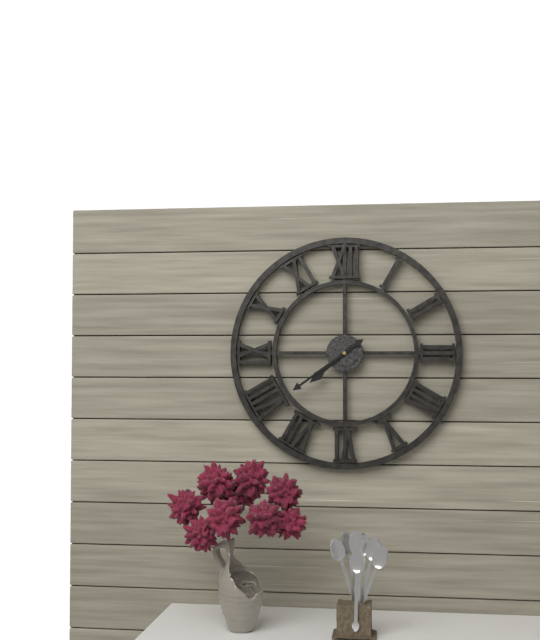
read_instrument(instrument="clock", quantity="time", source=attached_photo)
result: 7:39
